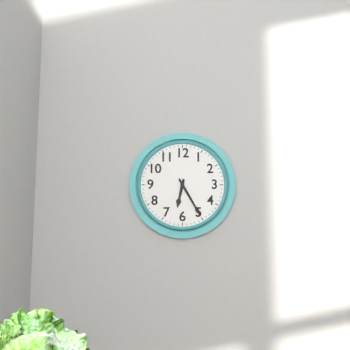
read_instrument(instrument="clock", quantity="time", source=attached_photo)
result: 6:25
